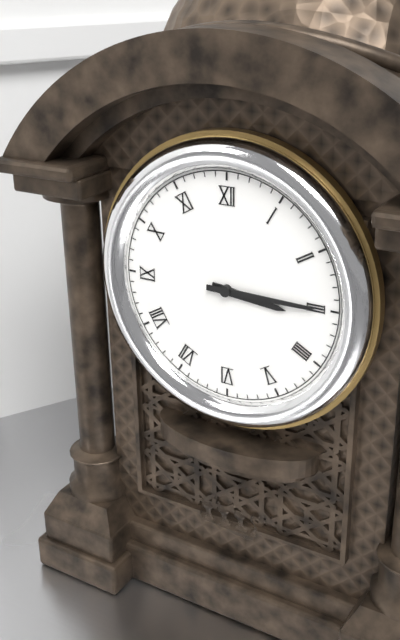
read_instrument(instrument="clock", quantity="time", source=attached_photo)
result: 3:15
